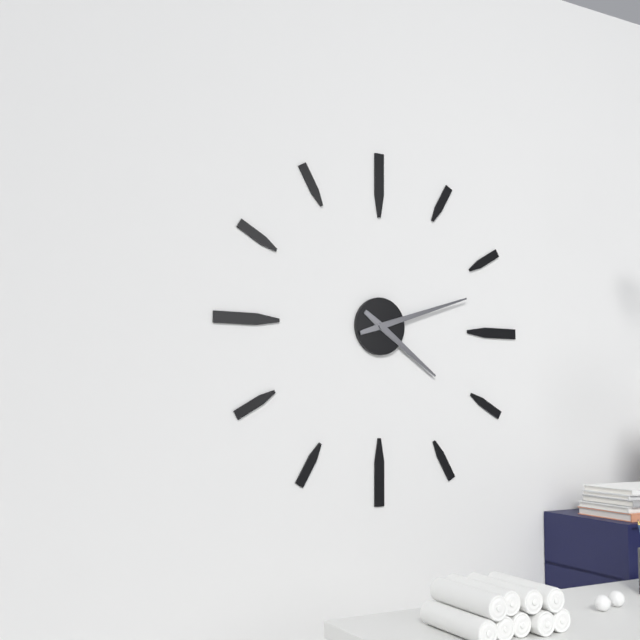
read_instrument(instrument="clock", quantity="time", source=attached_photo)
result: 4:12
